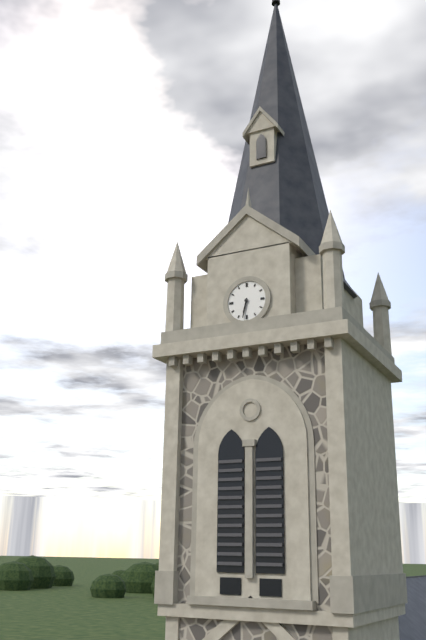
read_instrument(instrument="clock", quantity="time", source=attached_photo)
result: 6:32
